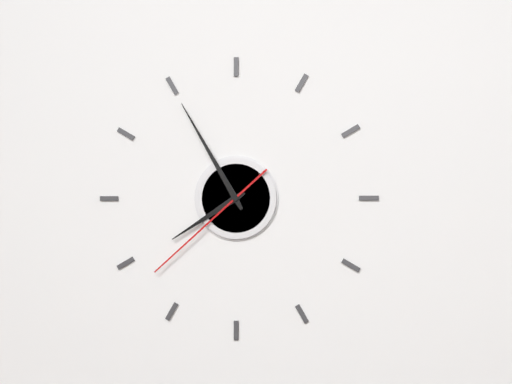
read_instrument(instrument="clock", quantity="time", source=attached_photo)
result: 7:55:38
